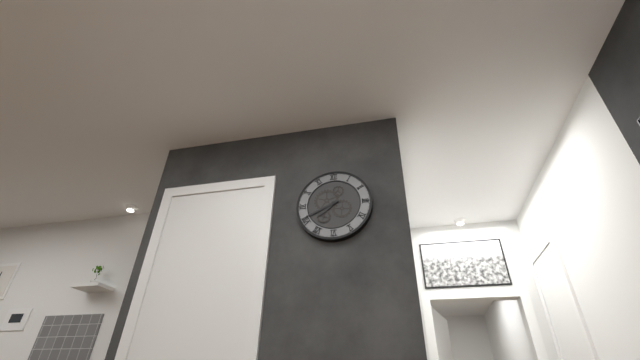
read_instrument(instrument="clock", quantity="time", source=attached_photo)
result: 7:41
